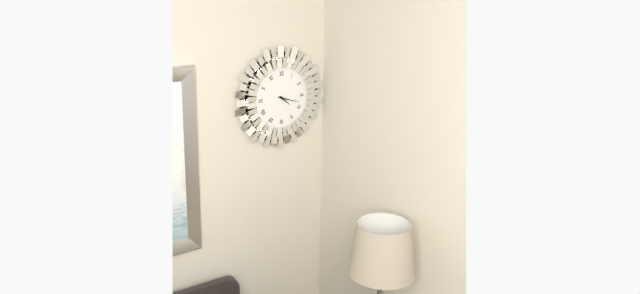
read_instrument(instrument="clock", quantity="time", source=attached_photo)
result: 4:18
